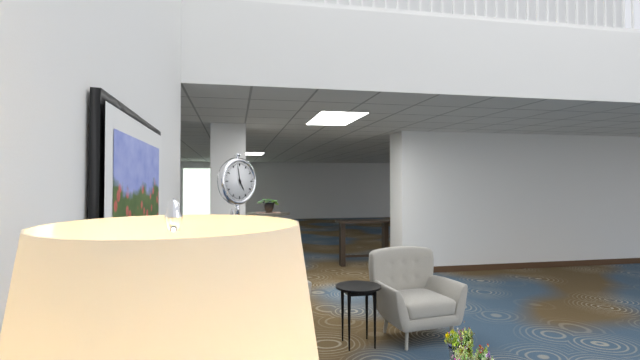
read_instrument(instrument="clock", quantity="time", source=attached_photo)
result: 4:58
